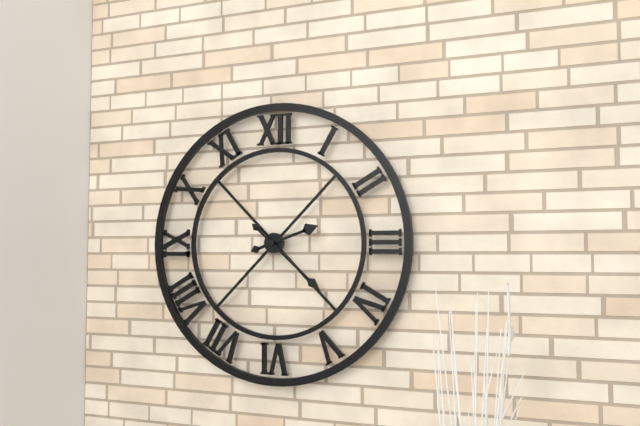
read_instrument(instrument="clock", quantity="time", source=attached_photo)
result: 2:22
